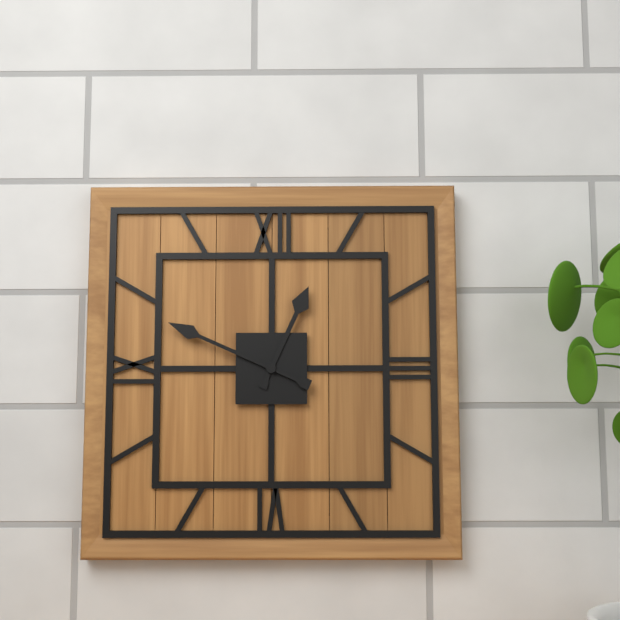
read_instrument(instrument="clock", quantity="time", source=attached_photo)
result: 12:49
